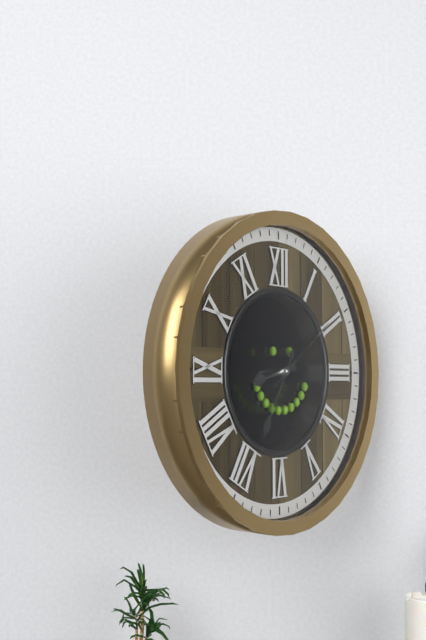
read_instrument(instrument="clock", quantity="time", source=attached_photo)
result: 8:35:09
